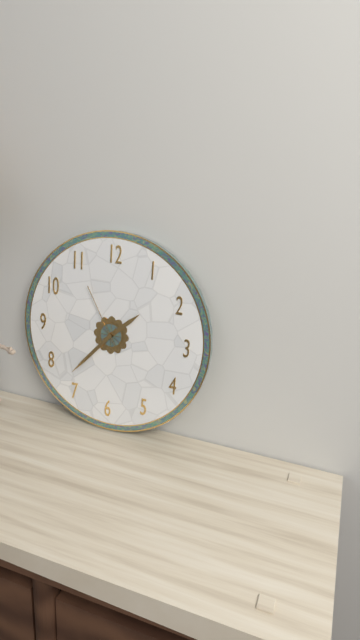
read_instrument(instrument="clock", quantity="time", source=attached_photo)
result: 1:37:55
